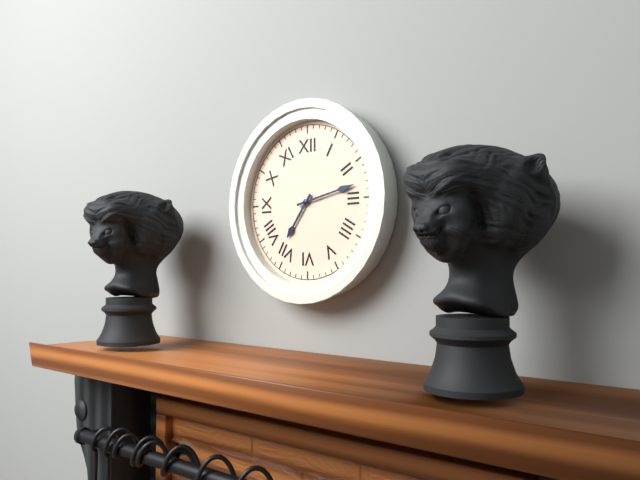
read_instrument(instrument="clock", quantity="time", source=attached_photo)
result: 7:13
